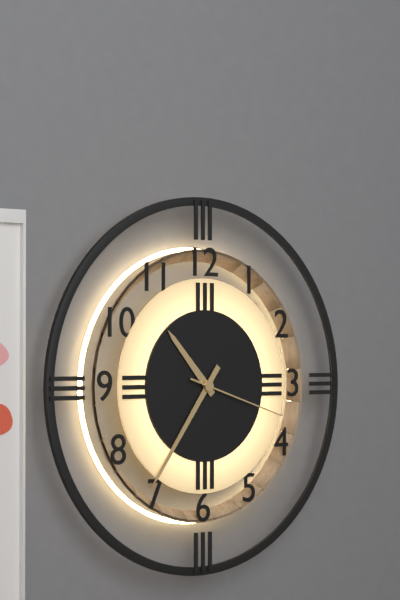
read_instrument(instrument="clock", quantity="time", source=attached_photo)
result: 10:36:18
